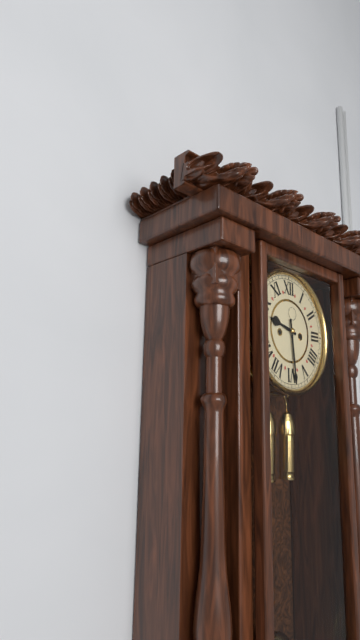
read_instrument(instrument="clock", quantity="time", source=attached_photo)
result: 9:29
